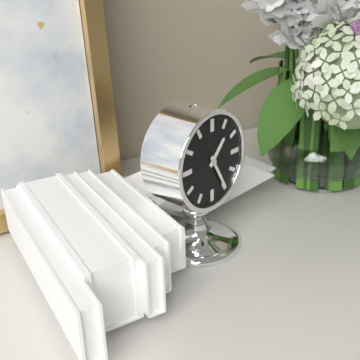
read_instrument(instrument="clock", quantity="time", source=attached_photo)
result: 1:25
